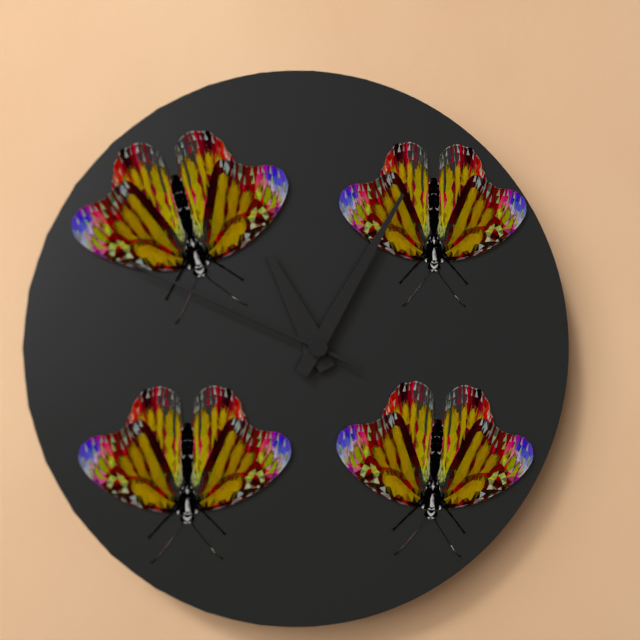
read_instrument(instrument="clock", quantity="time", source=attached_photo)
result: 11:05:49
